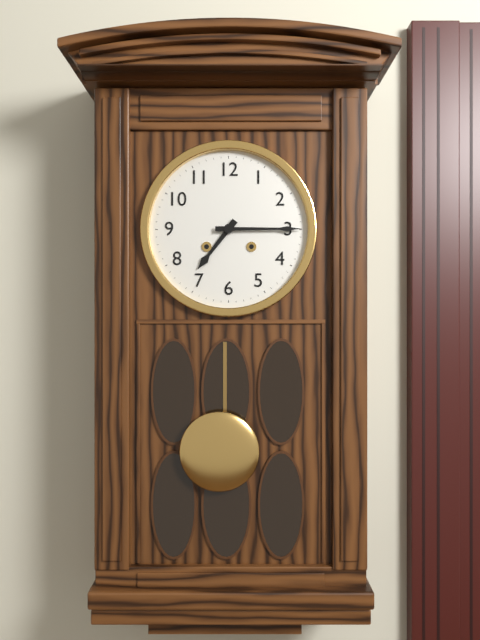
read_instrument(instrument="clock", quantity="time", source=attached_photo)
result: 7:15
